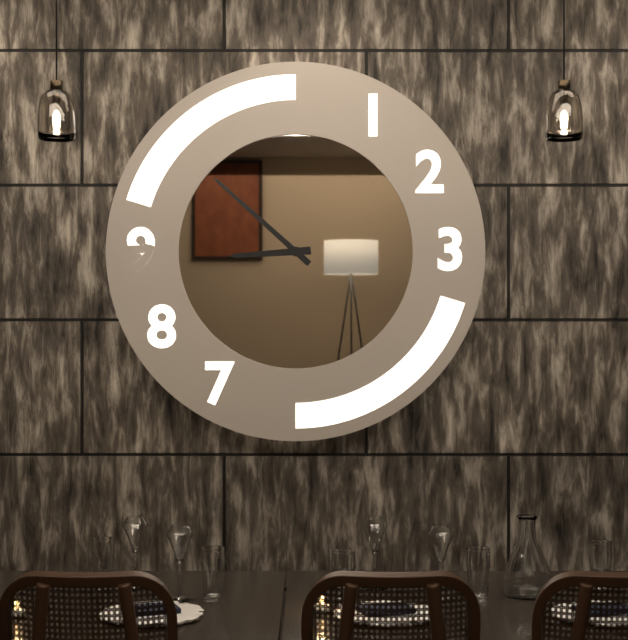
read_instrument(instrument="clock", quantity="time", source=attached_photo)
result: 8:52
